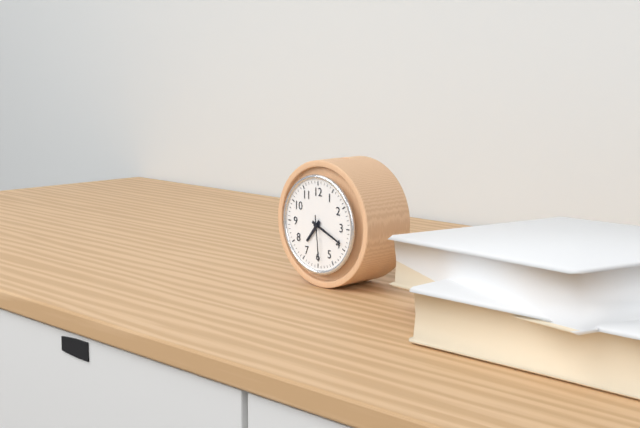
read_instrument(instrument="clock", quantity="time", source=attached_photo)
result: 7:19
